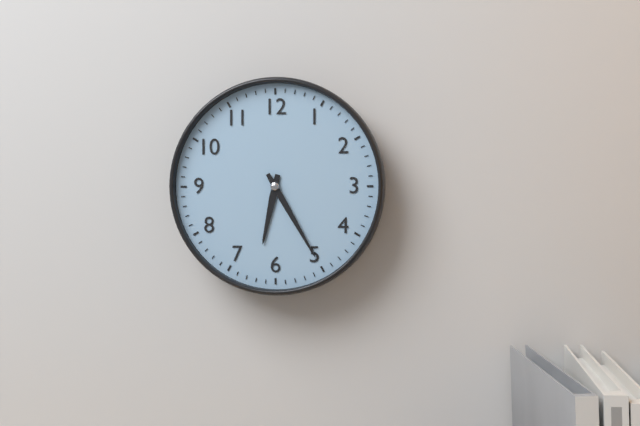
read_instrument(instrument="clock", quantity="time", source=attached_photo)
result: 6:25
